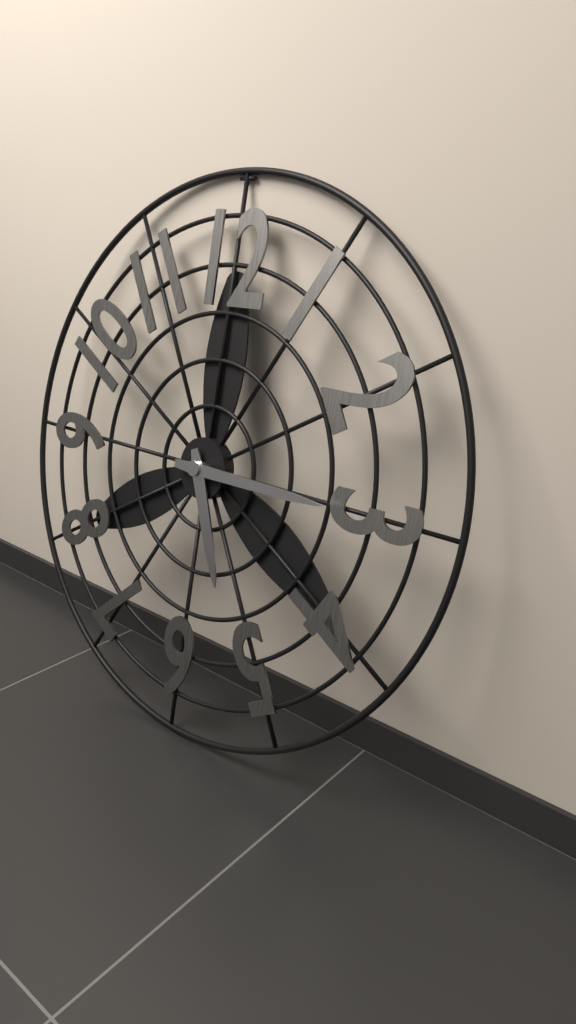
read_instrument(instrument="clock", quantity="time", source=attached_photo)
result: 5:15
